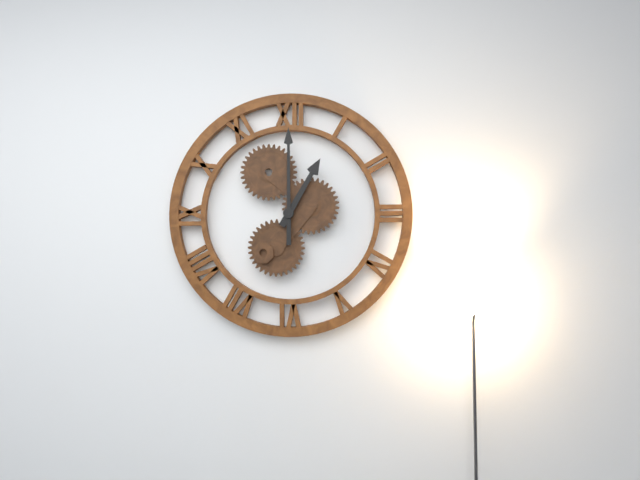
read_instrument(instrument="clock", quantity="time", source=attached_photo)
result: 1:00
